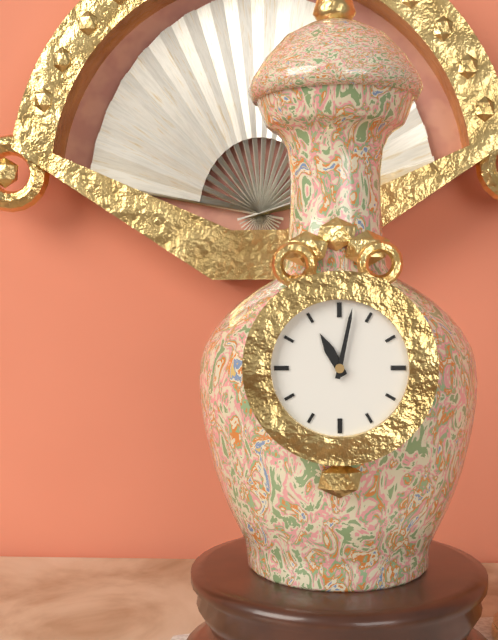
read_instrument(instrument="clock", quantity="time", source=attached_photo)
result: 11:02
